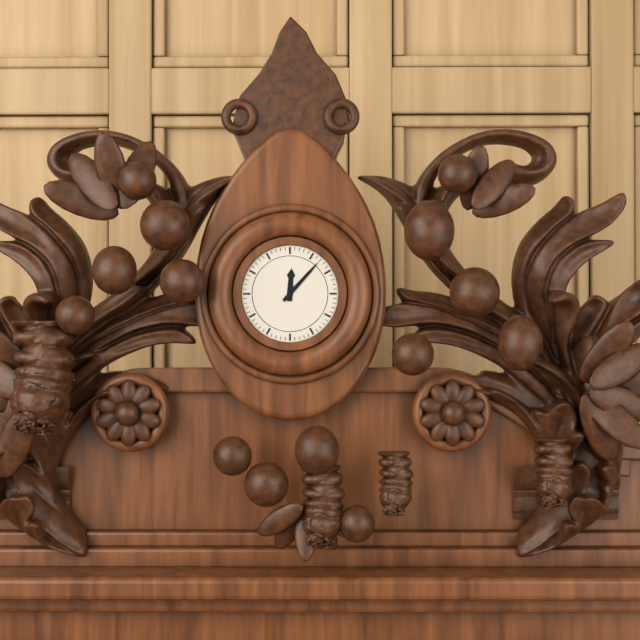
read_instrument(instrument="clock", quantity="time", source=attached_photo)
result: 12:07
